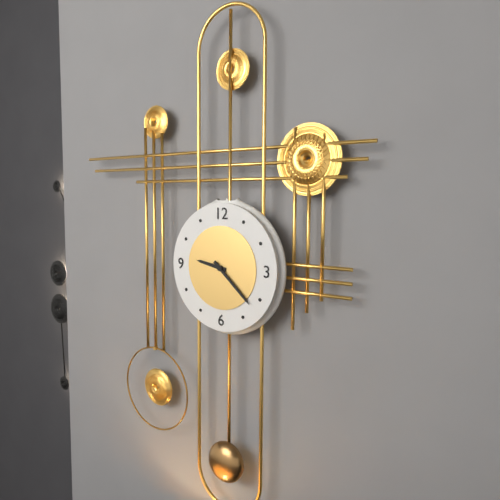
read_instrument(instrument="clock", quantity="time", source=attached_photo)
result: 9:22
